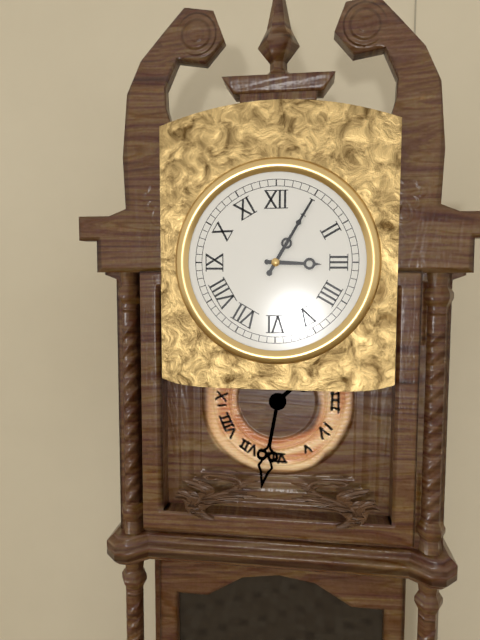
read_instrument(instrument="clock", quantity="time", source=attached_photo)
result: 3:05
